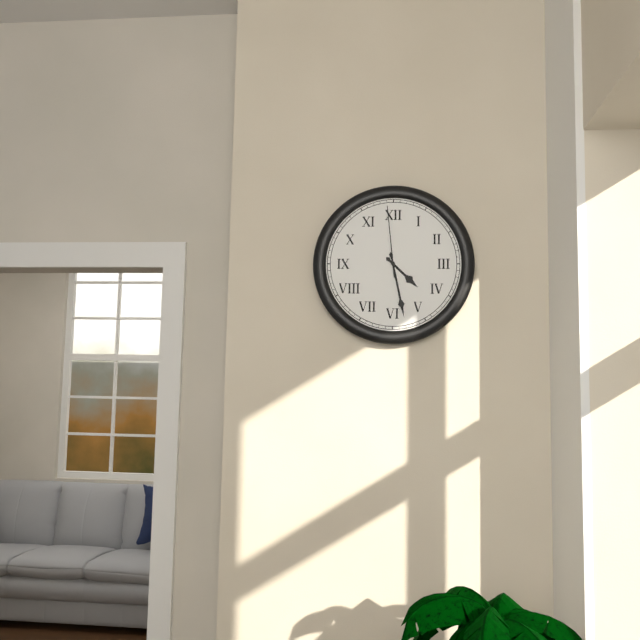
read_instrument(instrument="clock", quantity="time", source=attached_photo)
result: 4:28:59
